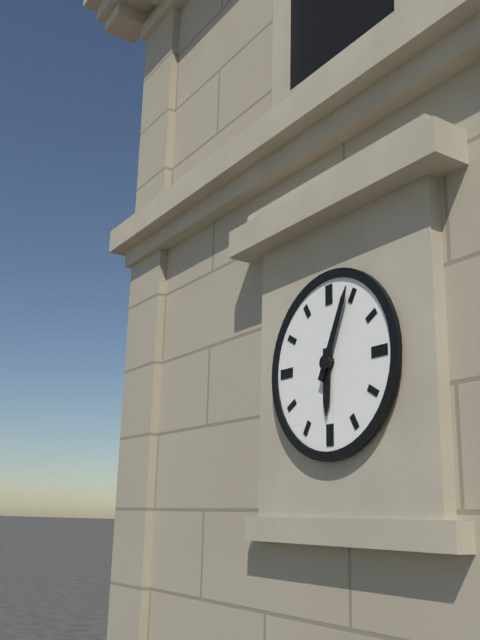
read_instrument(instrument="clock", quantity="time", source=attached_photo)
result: 6:04
